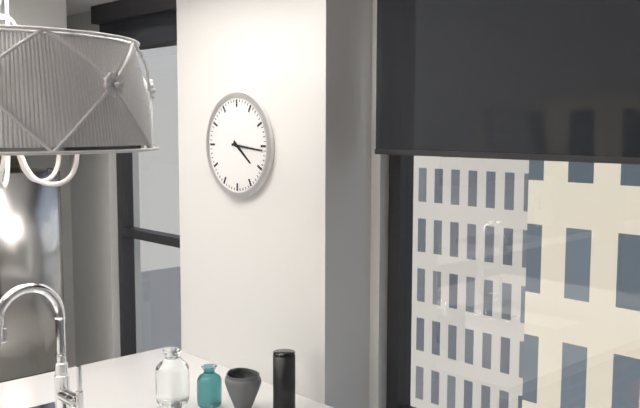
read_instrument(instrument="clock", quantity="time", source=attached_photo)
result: 4:16
